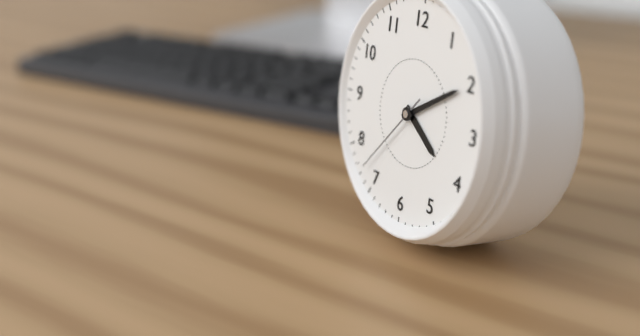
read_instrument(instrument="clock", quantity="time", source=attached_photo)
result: 4:10:37
